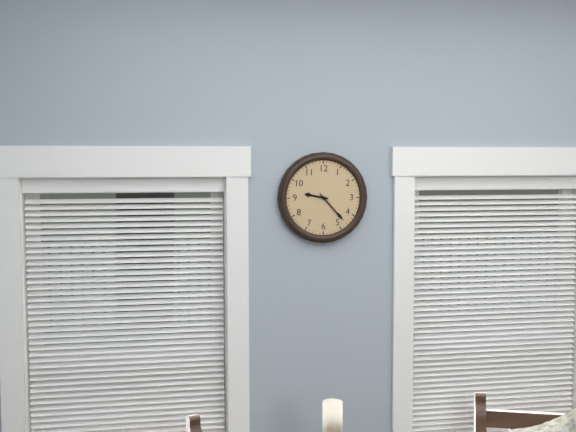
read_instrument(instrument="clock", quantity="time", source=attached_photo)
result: 9:23
